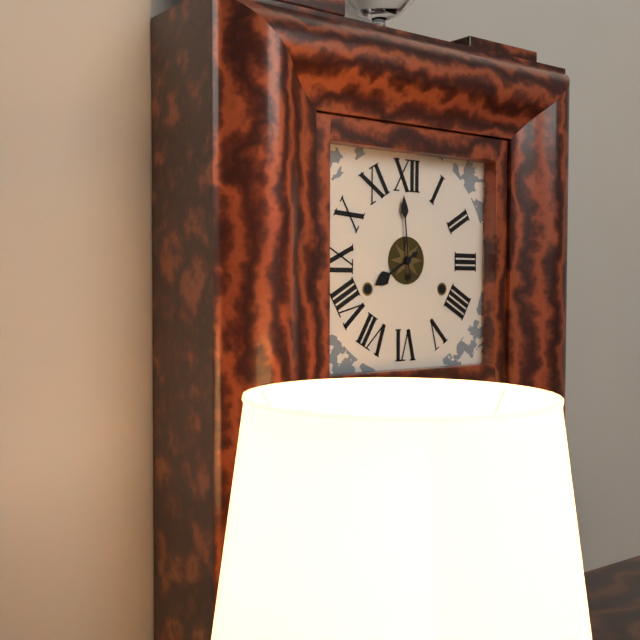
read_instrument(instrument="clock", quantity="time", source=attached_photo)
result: 7:59
